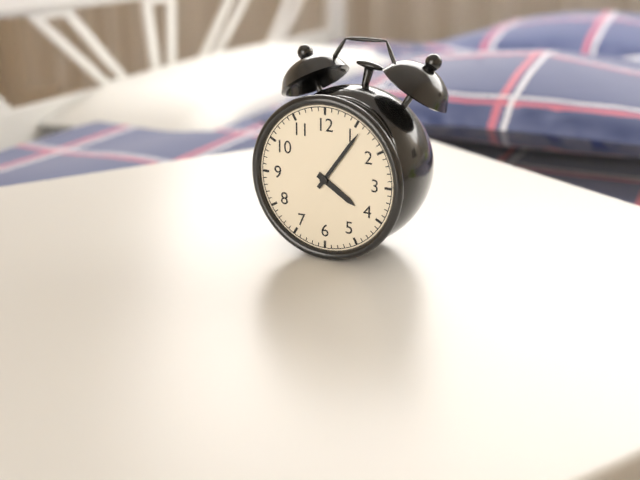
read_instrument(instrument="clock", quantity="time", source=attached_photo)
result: 4:06
